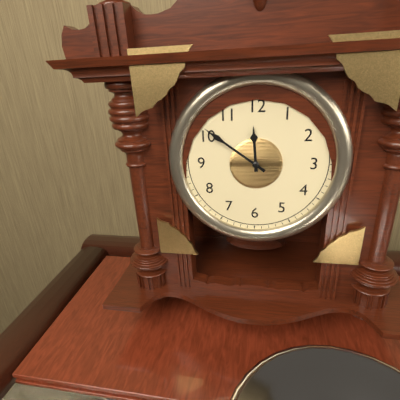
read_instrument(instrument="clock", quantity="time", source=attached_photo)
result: 11:51
